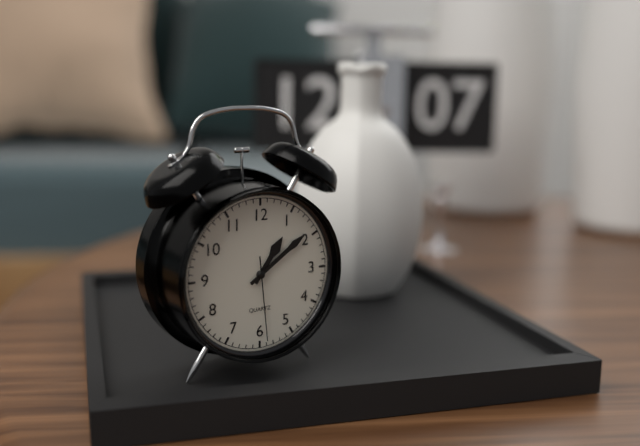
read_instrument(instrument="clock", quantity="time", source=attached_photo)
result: 1:09:29
